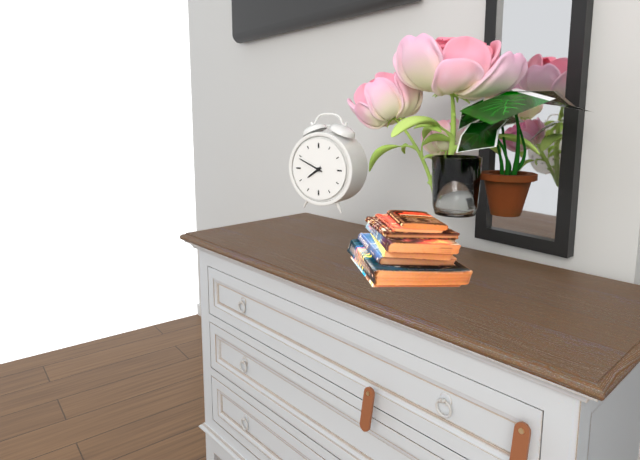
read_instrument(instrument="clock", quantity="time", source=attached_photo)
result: 7:49
